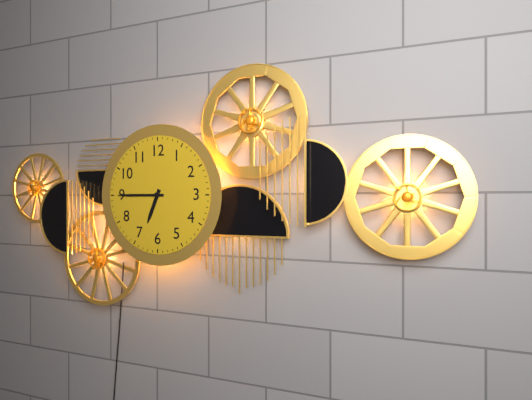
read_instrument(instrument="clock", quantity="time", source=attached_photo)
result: 6:45
